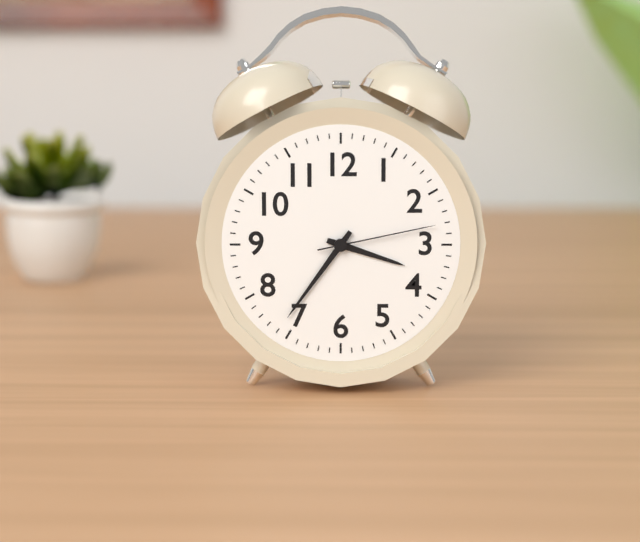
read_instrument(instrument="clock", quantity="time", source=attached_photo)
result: 3:36:13
